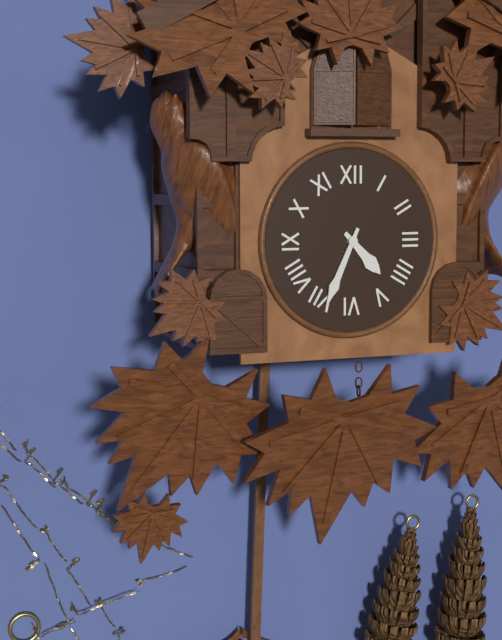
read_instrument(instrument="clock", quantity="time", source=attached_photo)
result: 4:34
